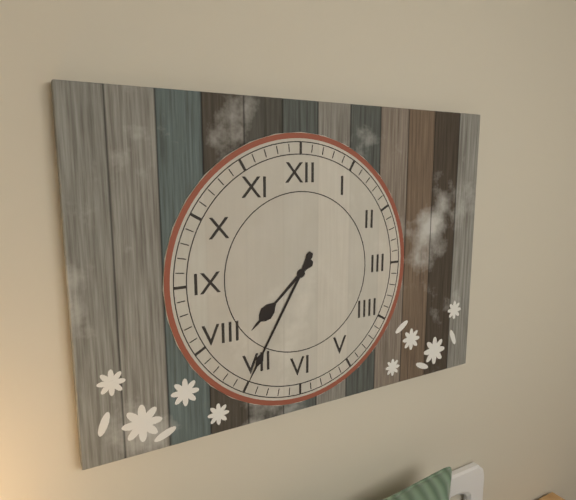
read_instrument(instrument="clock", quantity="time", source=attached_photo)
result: 7:35
